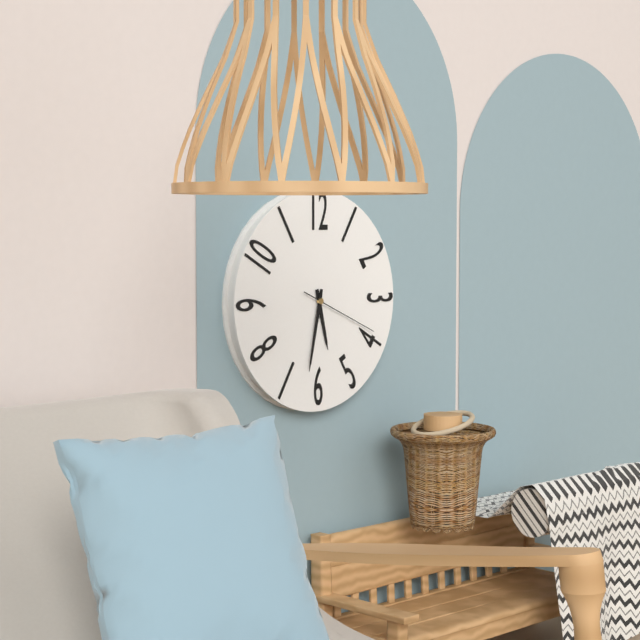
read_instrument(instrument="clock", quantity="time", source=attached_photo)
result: 5:32:19
